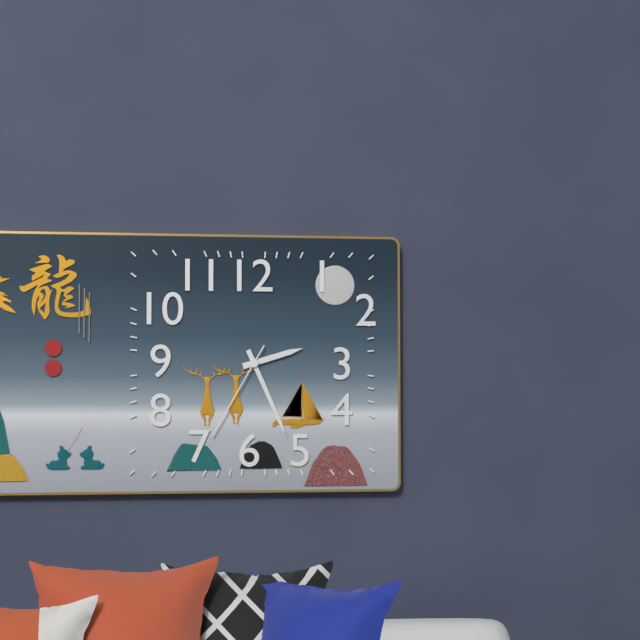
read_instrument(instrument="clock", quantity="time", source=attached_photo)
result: 2:26:35
